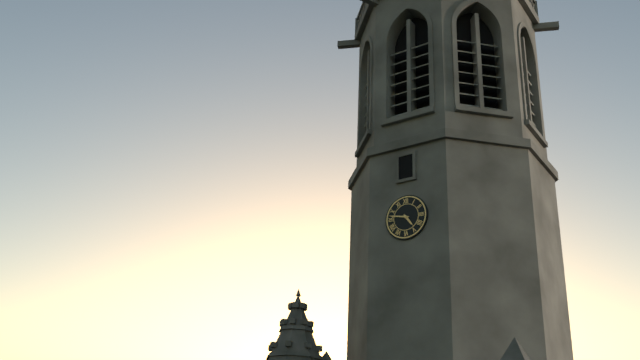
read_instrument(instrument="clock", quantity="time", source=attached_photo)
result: 4:47
